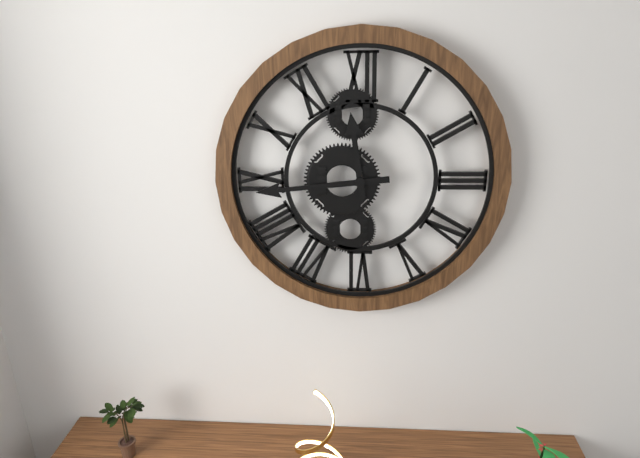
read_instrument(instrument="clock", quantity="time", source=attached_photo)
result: 11:44
